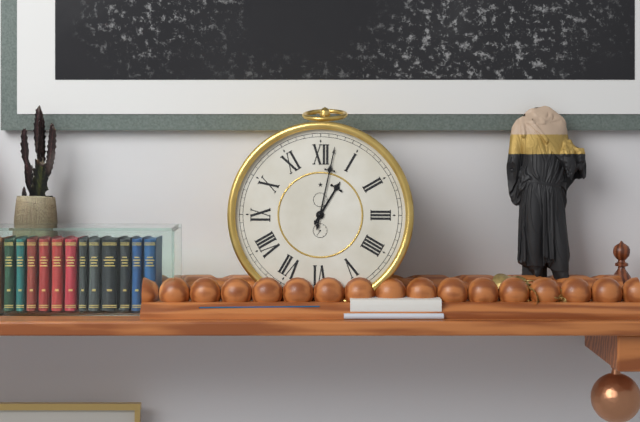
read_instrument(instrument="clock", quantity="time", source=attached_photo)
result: 1:02
